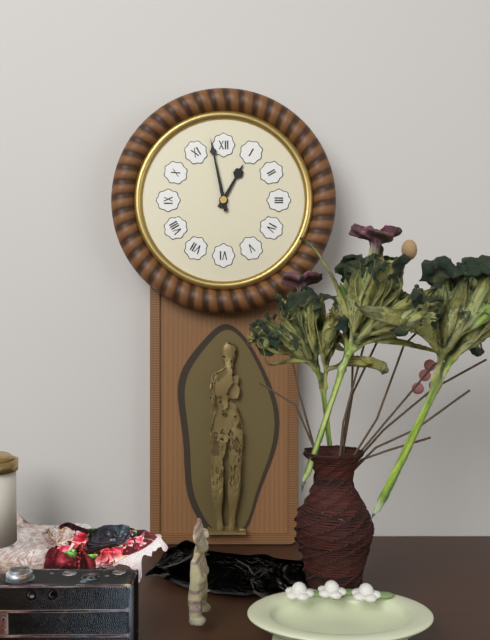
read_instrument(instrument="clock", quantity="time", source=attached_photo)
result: 12:58
